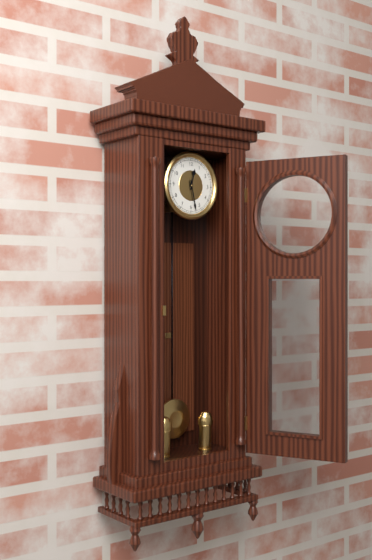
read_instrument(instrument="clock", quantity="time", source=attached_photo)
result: 12:28
